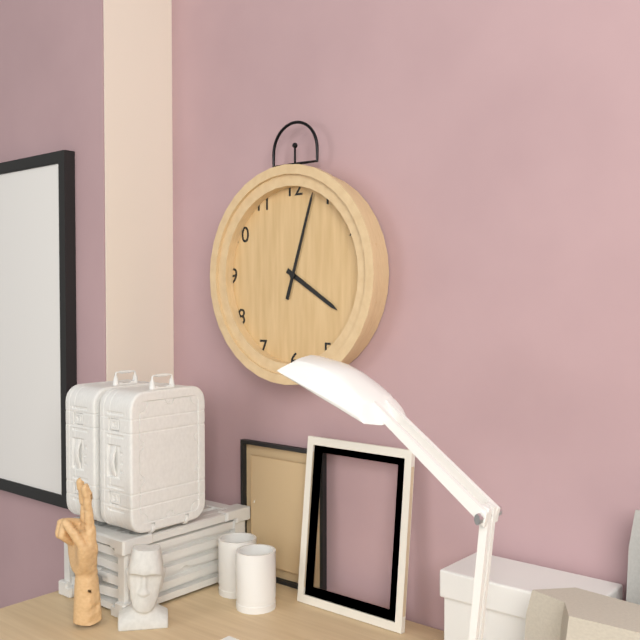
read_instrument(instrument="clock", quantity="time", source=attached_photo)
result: 4:03
